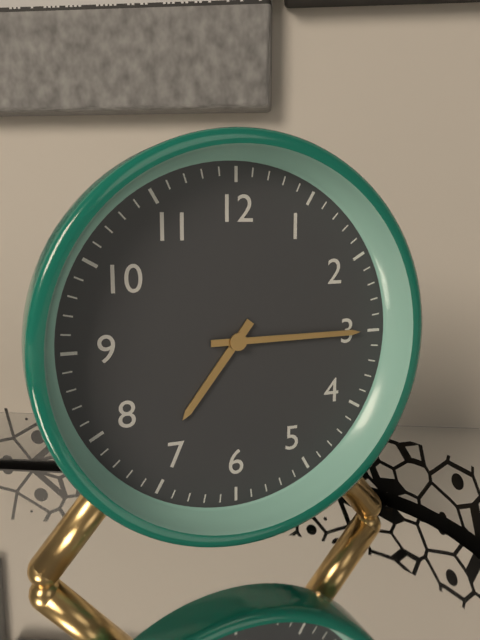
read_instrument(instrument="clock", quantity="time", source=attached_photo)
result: 7:15
